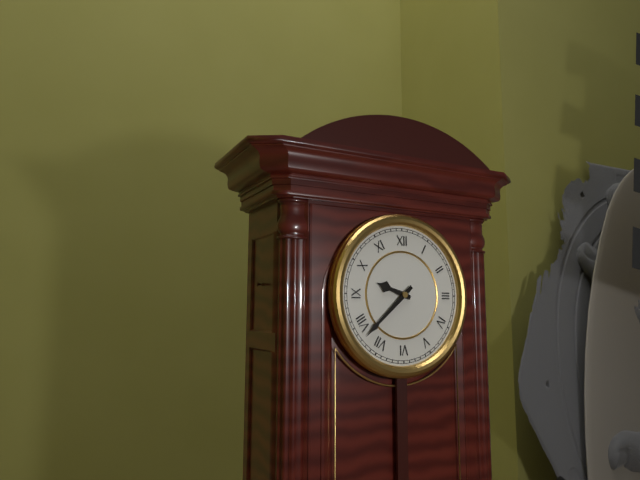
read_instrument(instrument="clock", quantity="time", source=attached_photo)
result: 9:38
